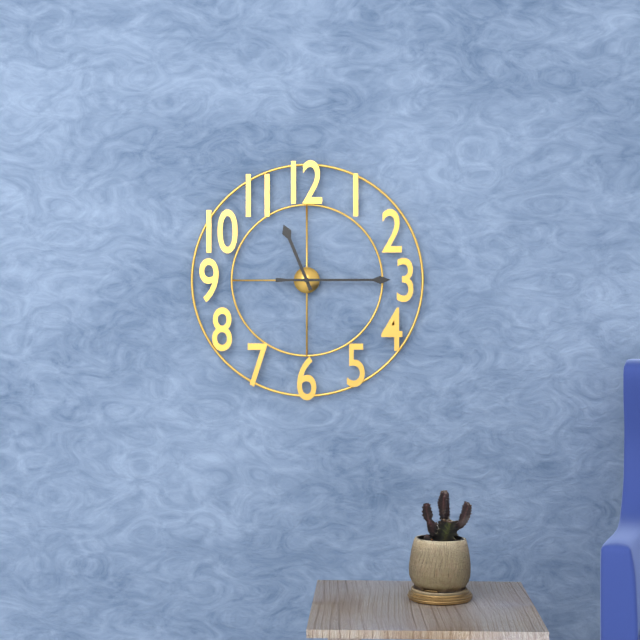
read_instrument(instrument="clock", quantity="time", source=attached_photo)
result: 11:15
